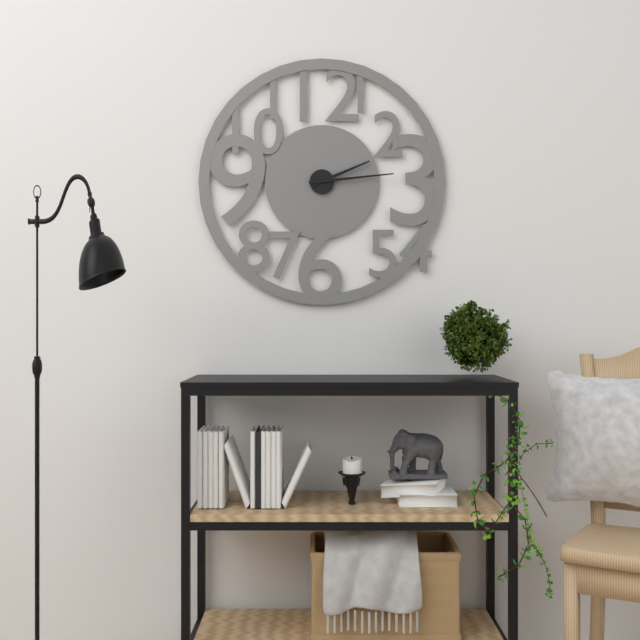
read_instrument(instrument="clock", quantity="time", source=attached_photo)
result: 2:14
